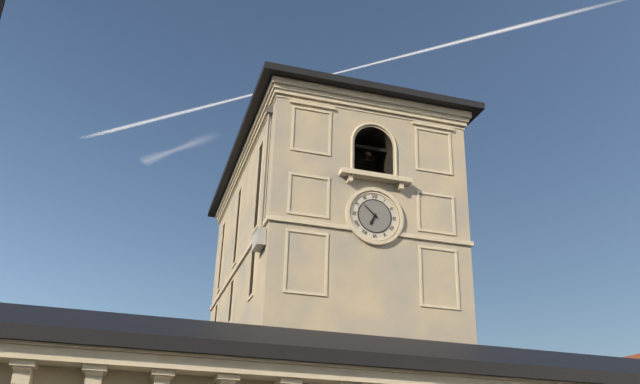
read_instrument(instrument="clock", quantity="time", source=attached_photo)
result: 6:52
